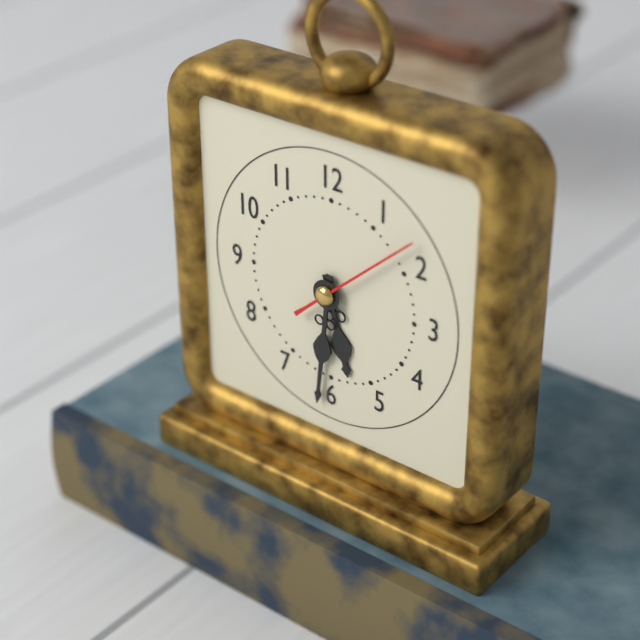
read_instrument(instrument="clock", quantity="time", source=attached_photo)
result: 5:31:08
